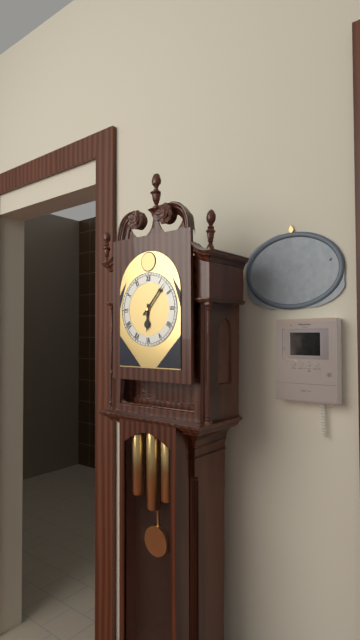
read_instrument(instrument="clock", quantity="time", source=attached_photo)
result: 6:07
